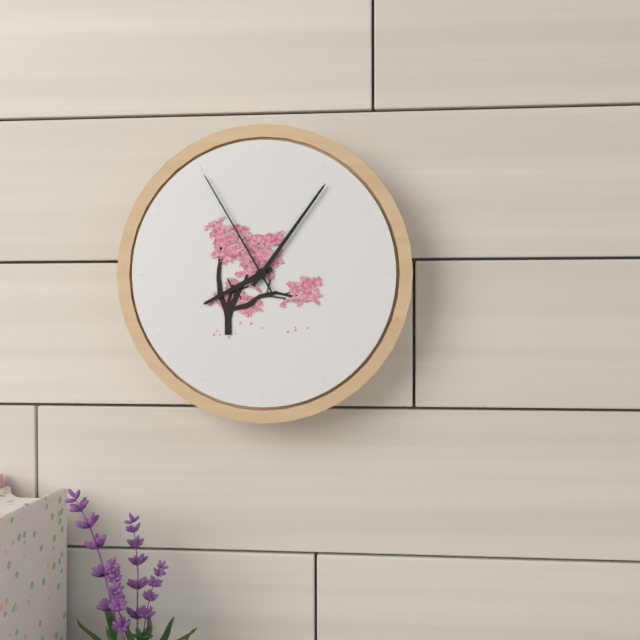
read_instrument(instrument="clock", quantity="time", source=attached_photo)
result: 8:06:55
